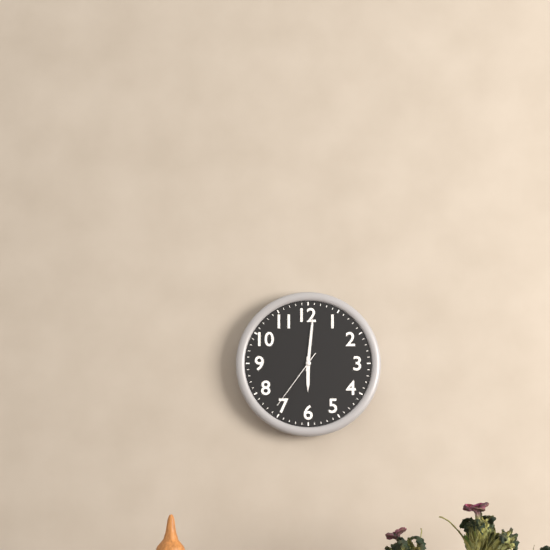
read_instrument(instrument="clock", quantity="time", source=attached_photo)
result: 6:01:36
